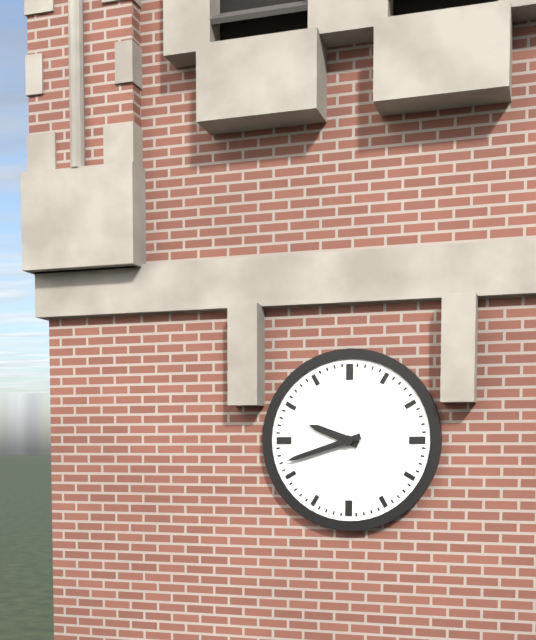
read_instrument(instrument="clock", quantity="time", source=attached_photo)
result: 9:42
